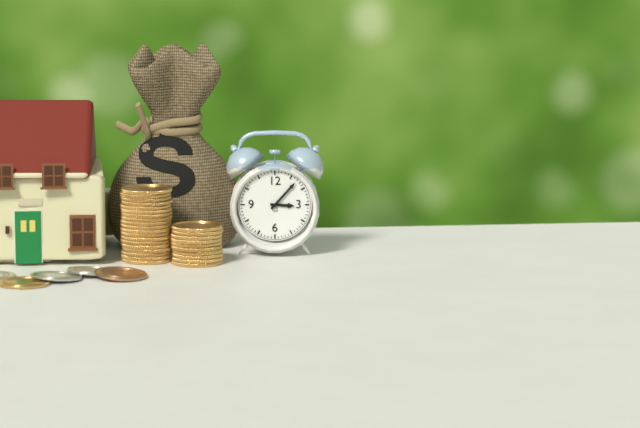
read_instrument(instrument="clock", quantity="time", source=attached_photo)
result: 3:07
